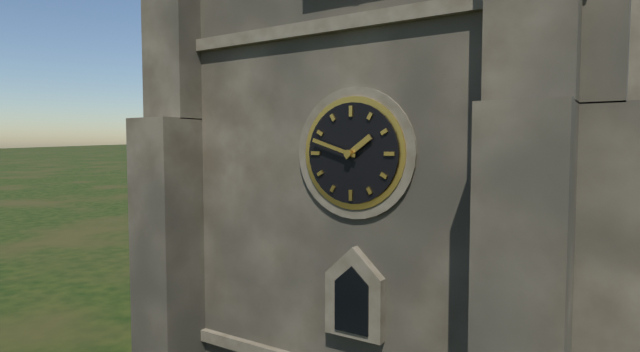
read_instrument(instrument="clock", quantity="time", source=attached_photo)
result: 1:48
